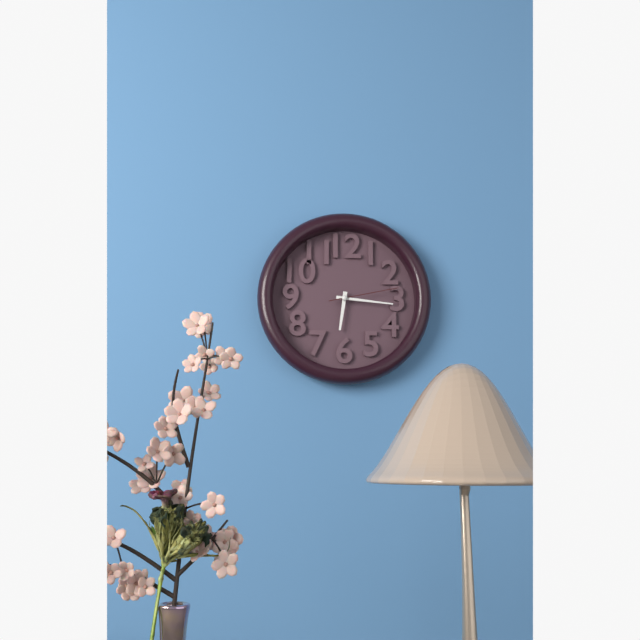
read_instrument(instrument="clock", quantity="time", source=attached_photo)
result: 6:16:13
